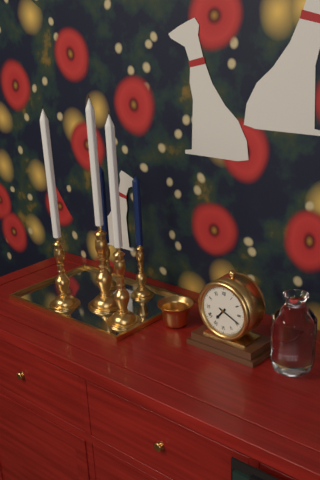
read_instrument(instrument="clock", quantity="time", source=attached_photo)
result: 7:19
